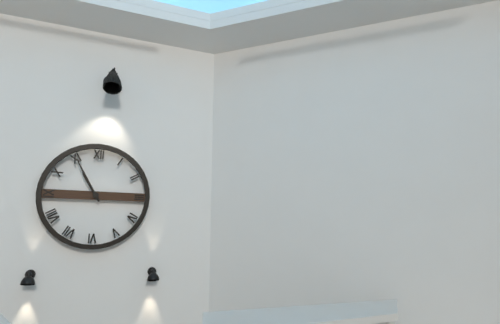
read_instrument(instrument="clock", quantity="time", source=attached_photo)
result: 10:55
